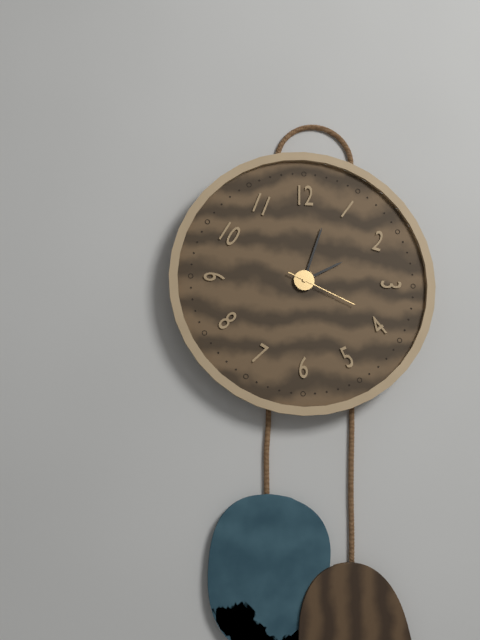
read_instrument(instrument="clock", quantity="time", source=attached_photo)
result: 2:03:19
